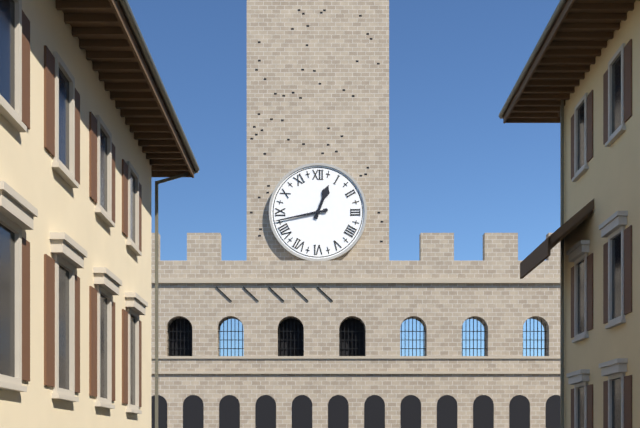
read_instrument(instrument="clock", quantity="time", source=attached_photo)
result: 12:43
